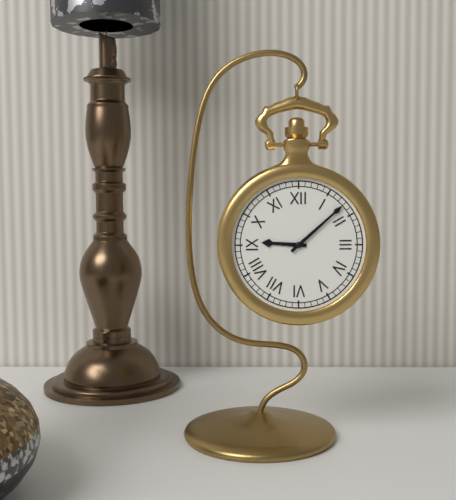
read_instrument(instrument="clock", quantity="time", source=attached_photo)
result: 9:08
